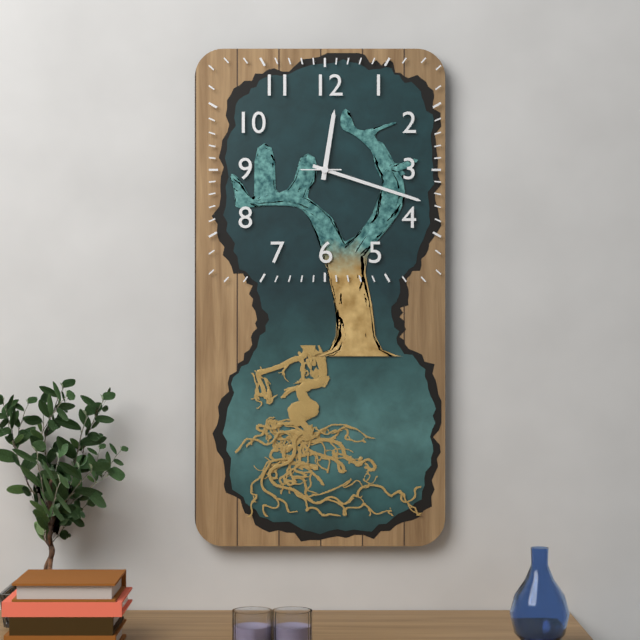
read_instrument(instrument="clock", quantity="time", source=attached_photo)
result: 12:18
